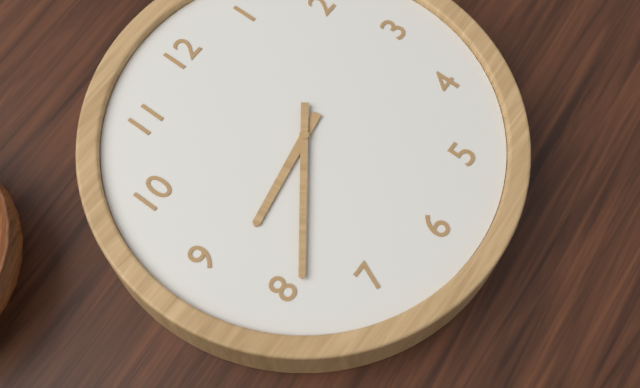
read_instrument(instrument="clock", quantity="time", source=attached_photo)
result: 8:39
